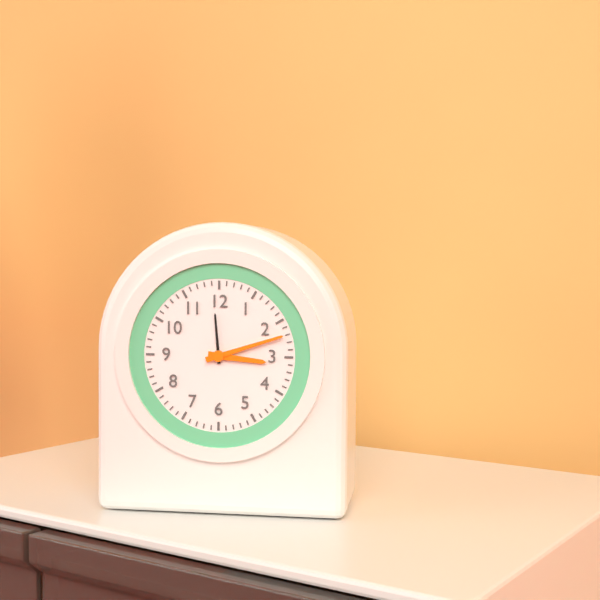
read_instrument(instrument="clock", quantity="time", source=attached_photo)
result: 3:12
